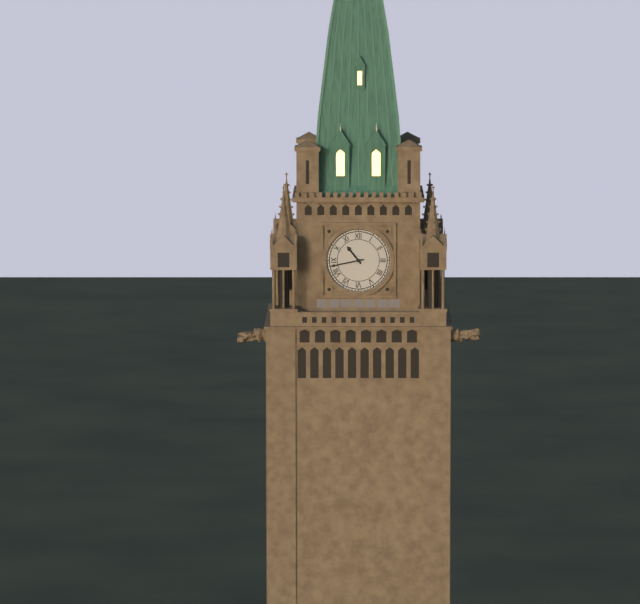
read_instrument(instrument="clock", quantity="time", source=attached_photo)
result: 10:43
